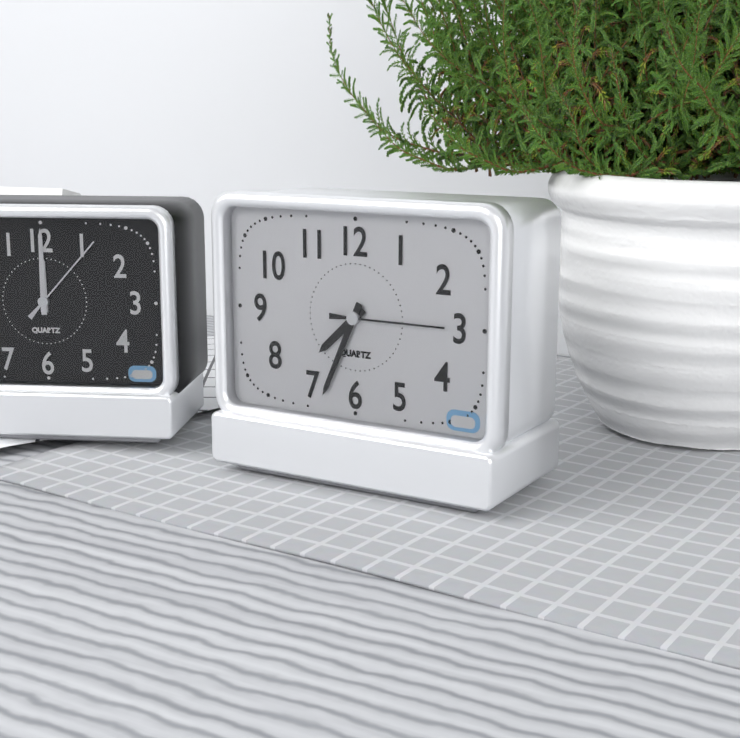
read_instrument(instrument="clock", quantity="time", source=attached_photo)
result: 7:34:15
